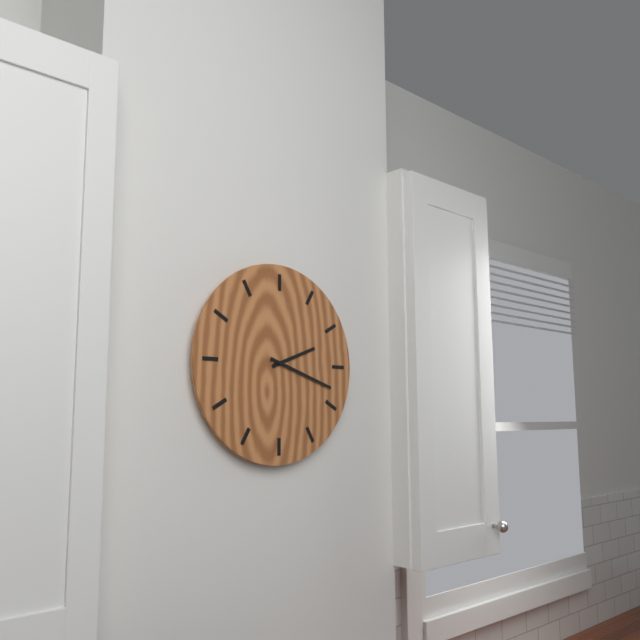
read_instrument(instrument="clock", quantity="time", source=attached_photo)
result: 2:18
